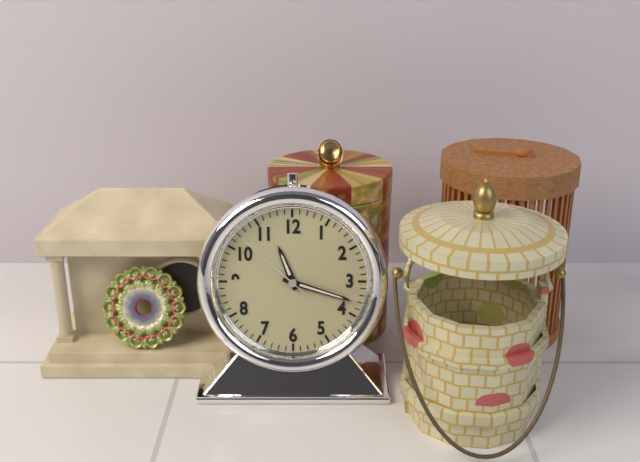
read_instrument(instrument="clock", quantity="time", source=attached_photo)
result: 11:18:52
